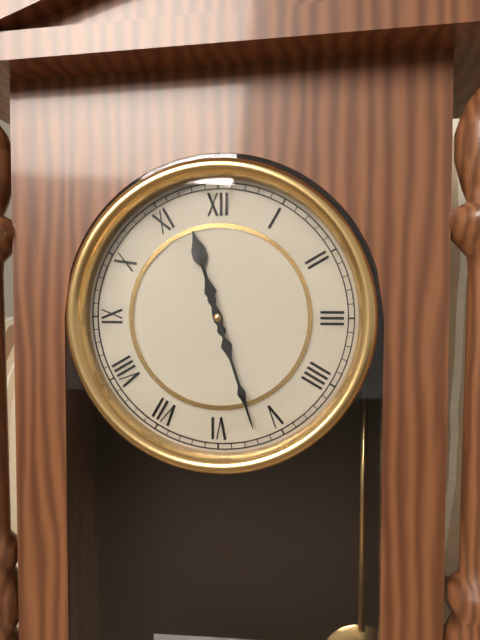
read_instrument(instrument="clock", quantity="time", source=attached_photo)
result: 11:27
